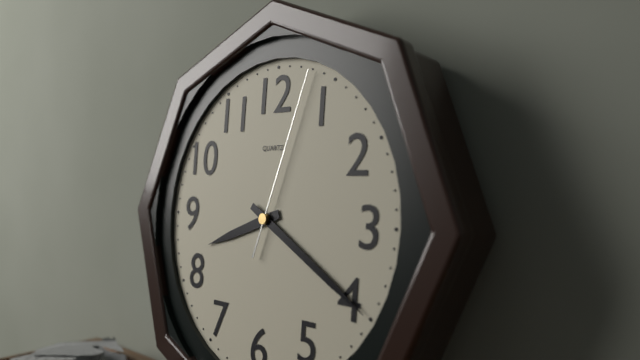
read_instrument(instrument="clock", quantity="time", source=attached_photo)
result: 8:20:03
